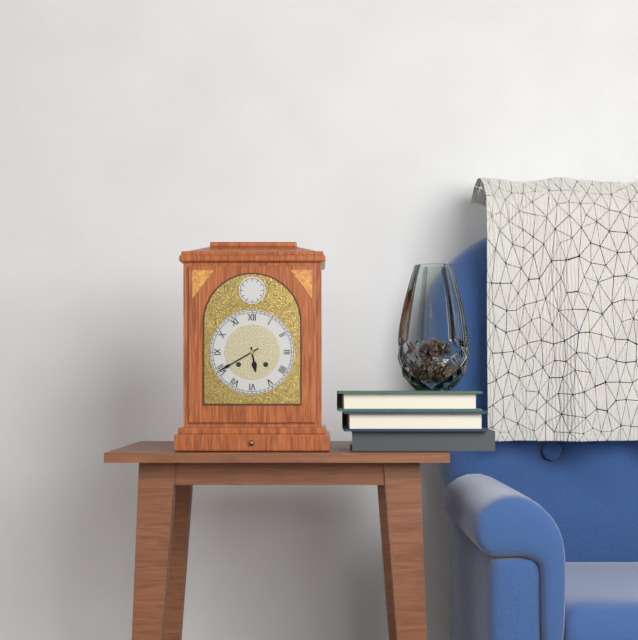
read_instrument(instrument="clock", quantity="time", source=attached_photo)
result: 5:40
